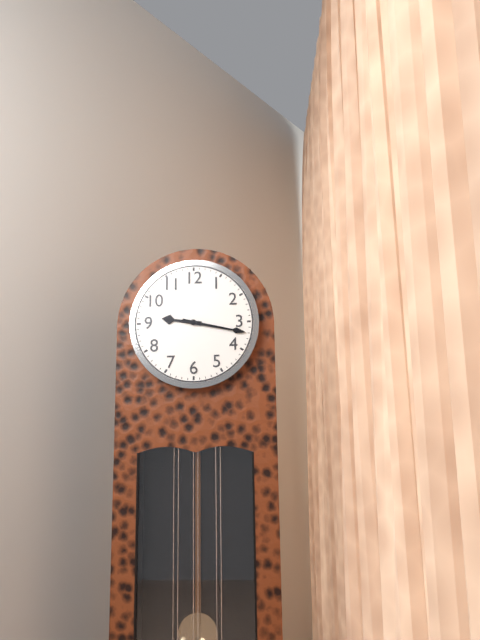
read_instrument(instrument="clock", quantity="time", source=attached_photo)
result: 9:17
